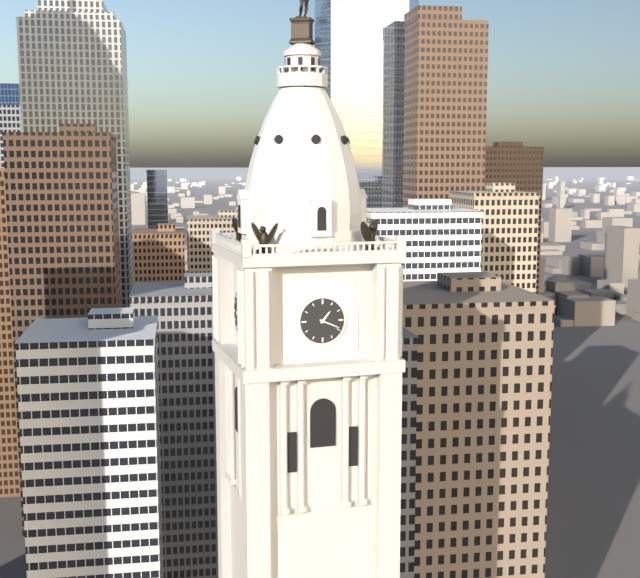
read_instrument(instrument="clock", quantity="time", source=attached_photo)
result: 1:19
